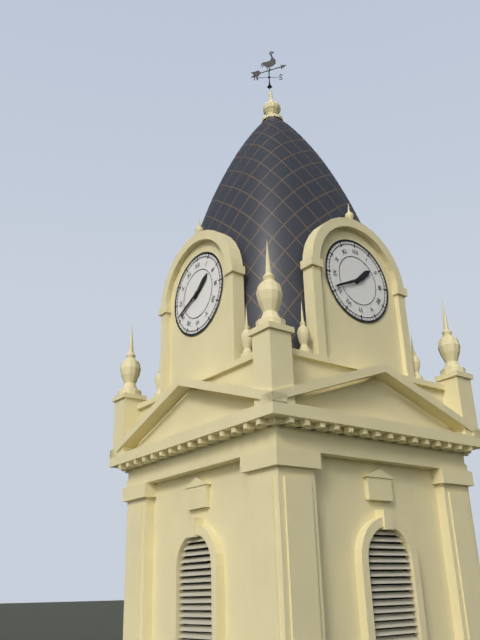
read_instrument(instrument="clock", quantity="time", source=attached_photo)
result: 1:41
